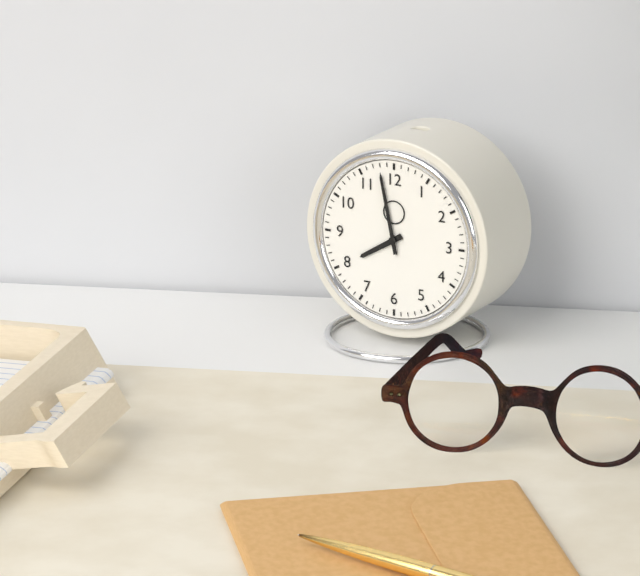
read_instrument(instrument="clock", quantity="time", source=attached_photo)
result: 7:58
